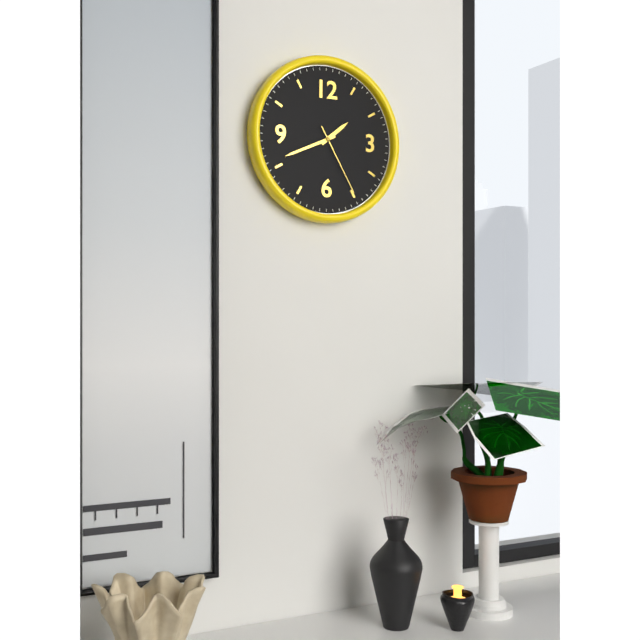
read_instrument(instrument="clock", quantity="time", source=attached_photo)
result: 1:41:25
